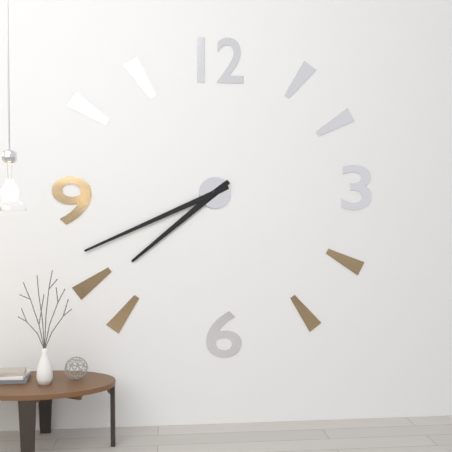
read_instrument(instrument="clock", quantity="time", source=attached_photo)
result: 7:41
